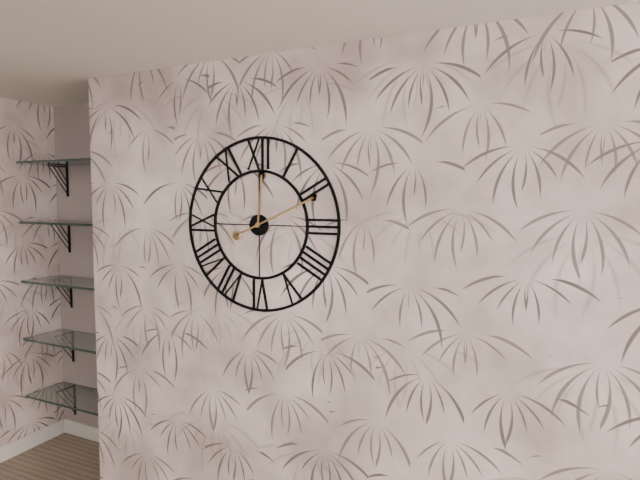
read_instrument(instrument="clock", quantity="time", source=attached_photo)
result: 12:11
